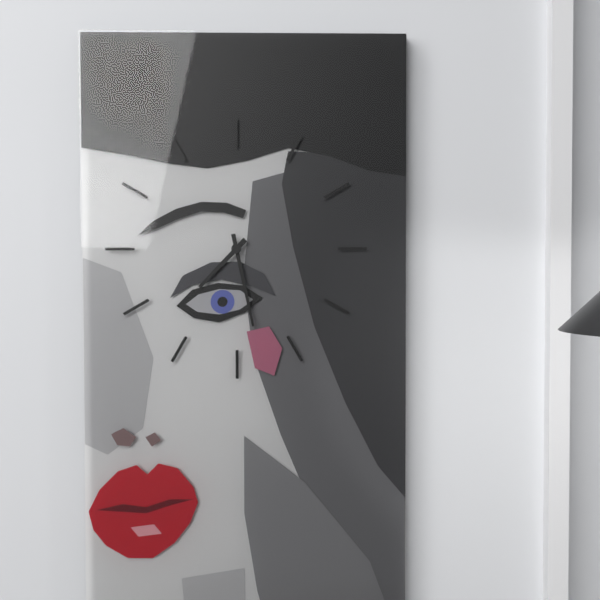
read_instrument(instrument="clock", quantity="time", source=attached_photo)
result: 7:28
